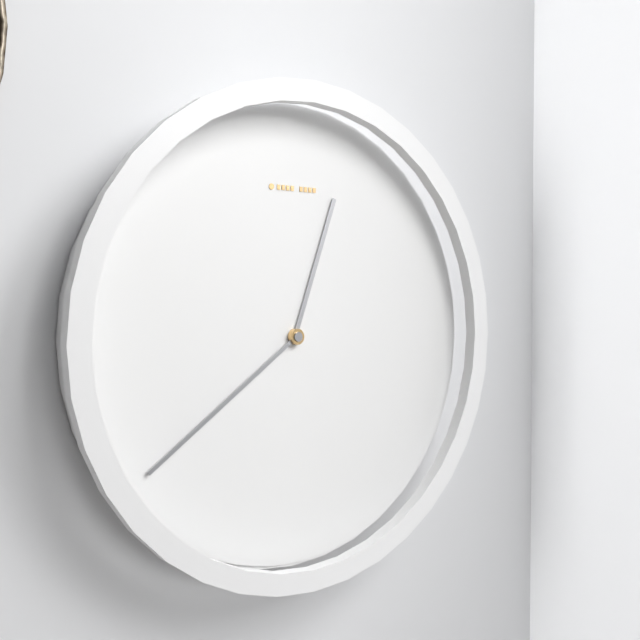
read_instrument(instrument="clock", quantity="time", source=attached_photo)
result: 12:39
